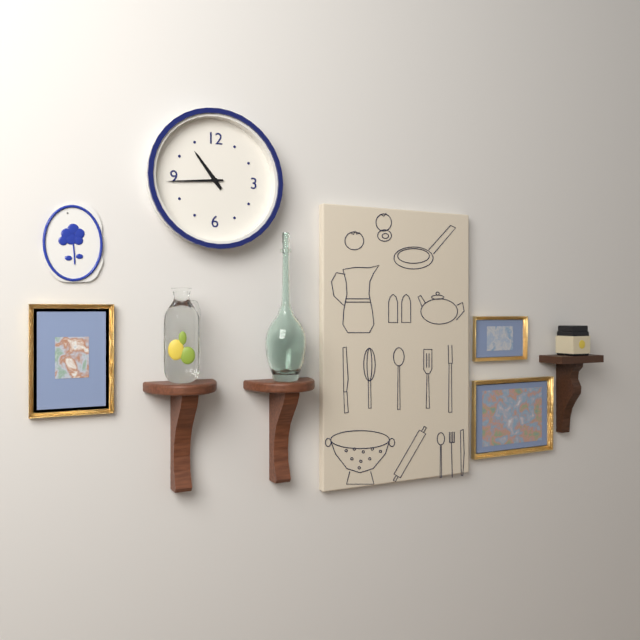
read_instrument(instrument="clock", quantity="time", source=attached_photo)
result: 10:44
